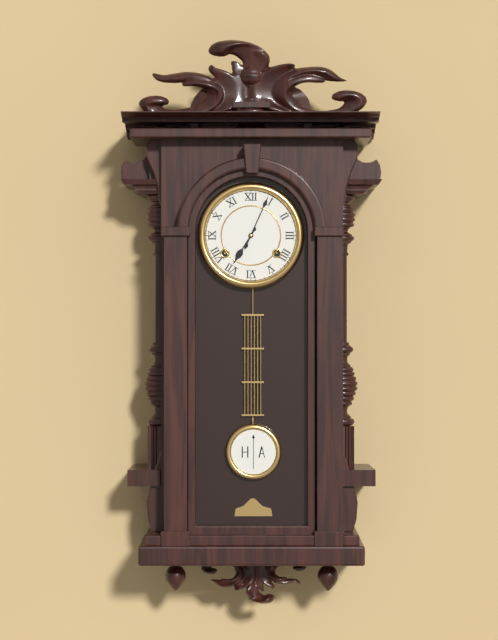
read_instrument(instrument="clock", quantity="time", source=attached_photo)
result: 7:04
